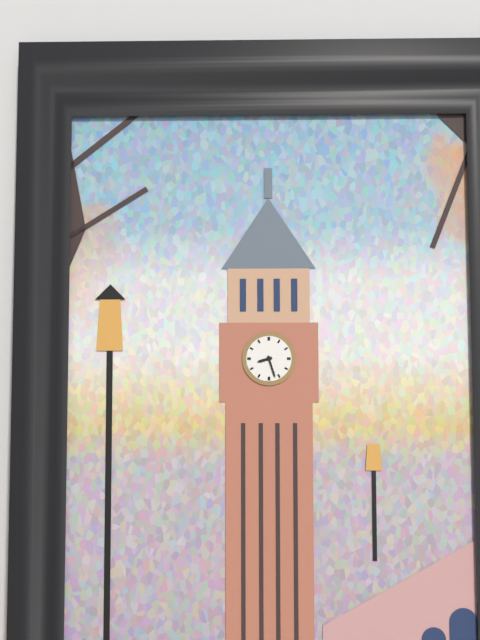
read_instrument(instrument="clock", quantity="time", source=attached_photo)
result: 8:27
